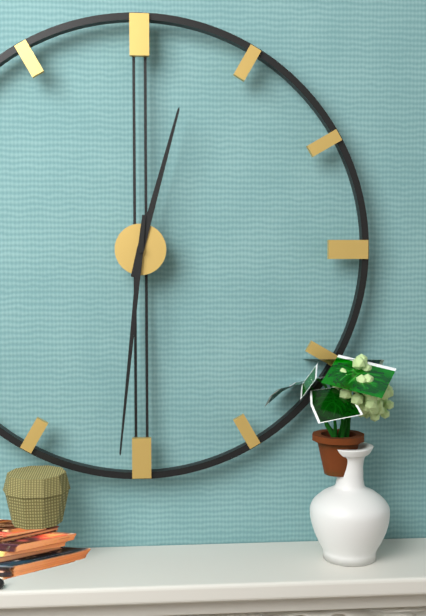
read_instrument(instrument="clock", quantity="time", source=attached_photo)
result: 12:31
